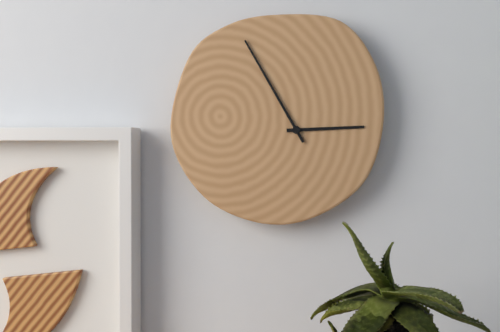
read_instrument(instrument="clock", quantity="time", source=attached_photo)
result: 2:55
